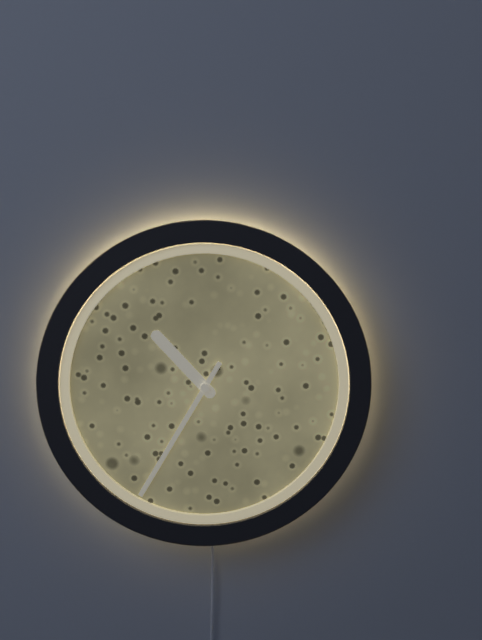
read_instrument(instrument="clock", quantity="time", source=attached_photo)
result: 10:35
